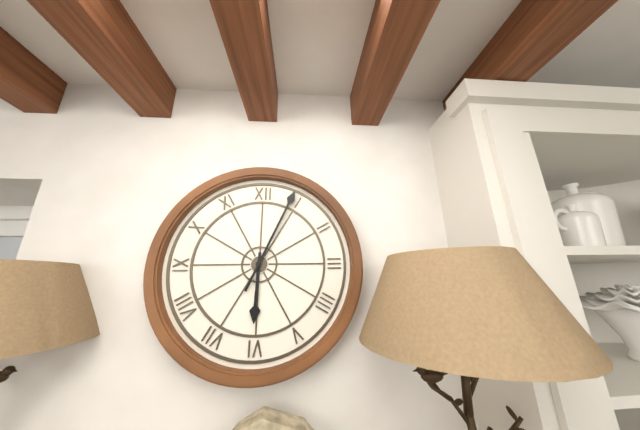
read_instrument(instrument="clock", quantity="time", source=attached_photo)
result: 6:04
